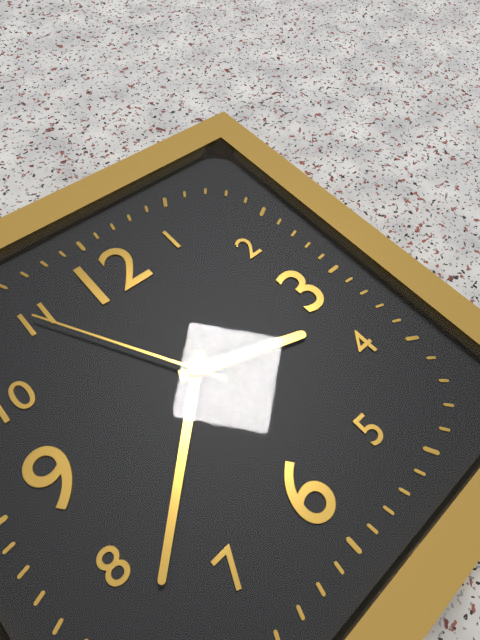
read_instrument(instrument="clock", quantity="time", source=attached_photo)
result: 3:38:55
